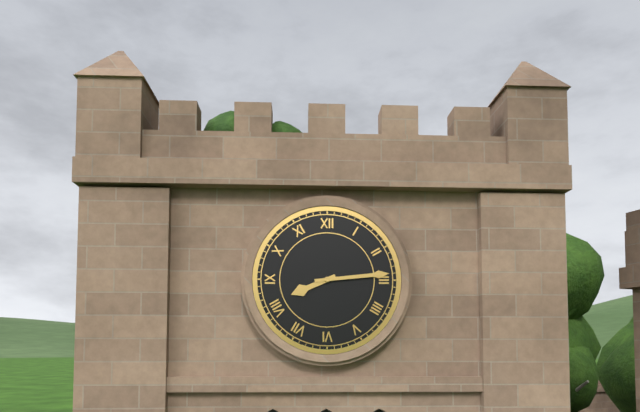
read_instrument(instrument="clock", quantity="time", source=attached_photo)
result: 8:14
